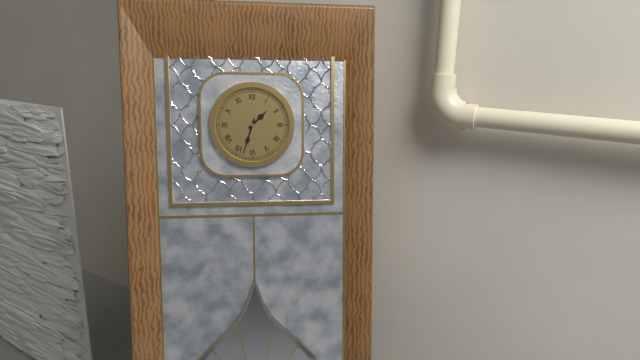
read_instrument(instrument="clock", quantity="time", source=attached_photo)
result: 1:33
